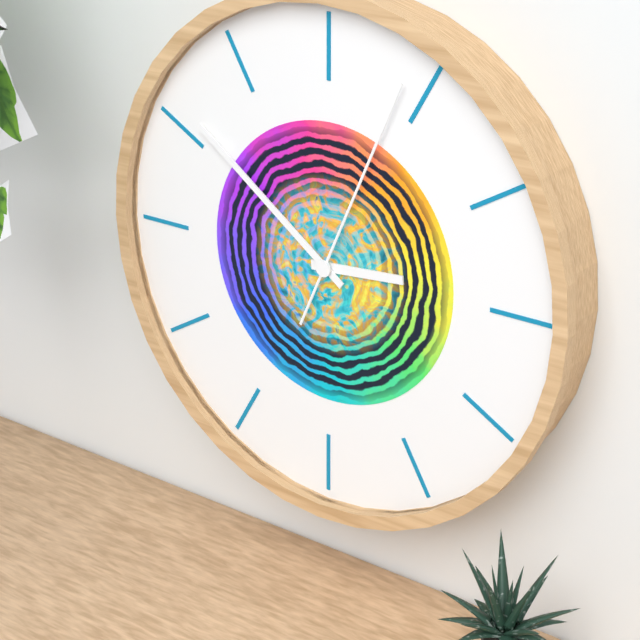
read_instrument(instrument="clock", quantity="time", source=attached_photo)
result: 2:51:04
